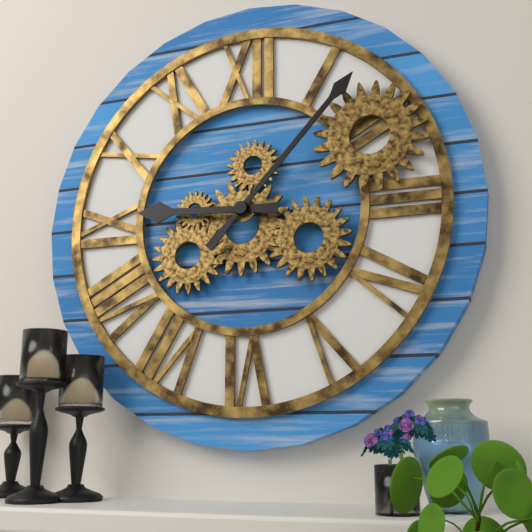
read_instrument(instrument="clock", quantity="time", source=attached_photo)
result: 9:07
